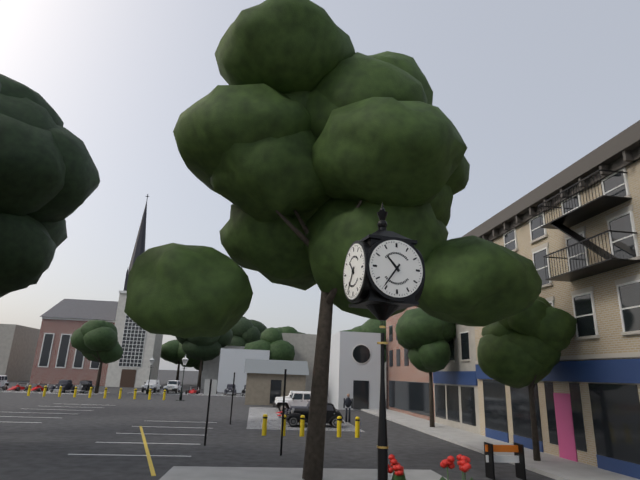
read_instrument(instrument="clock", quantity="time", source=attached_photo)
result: 10:36
